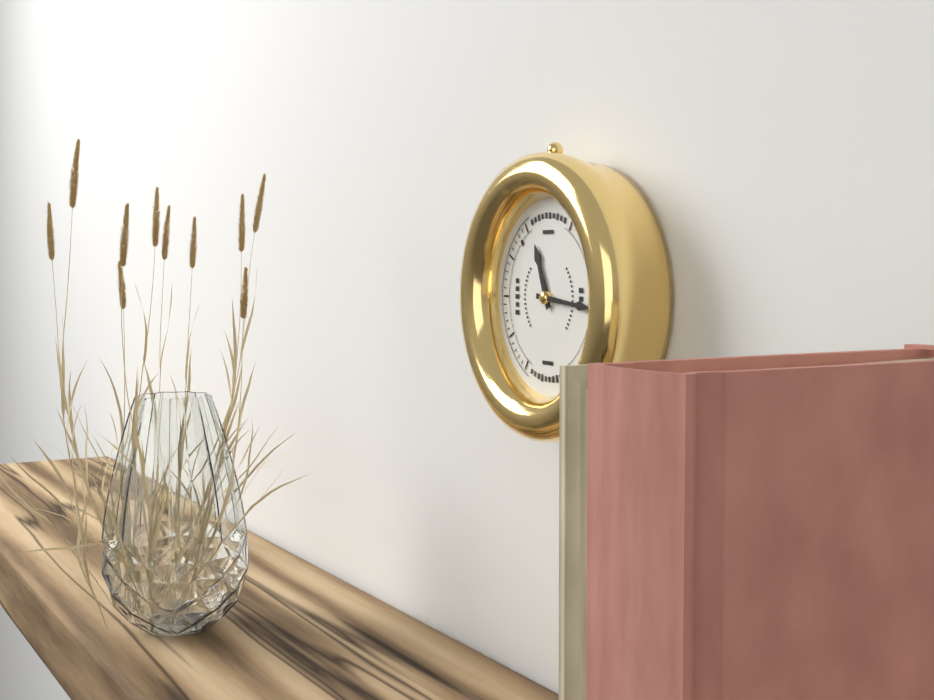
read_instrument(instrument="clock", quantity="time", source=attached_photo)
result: 11:16
